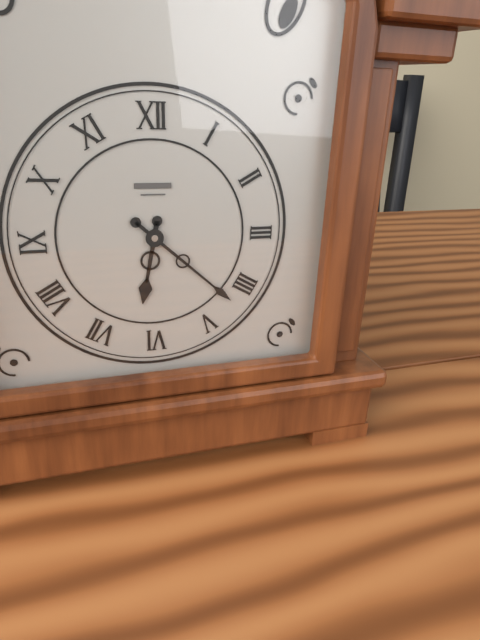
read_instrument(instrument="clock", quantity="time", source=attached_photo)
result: 6:22
